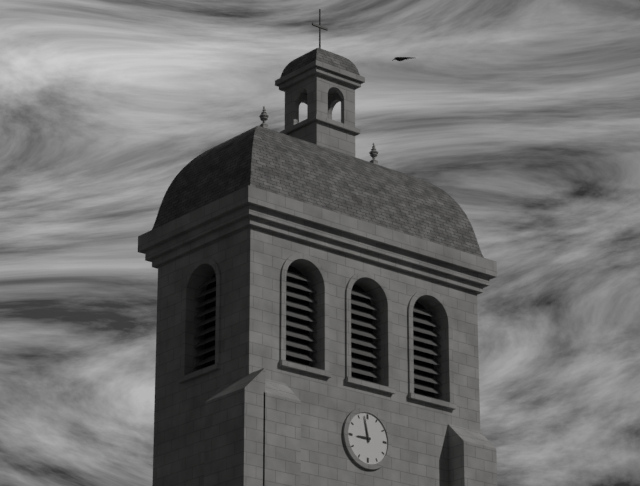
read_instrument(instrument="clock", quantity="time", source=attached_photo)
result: 8:58
